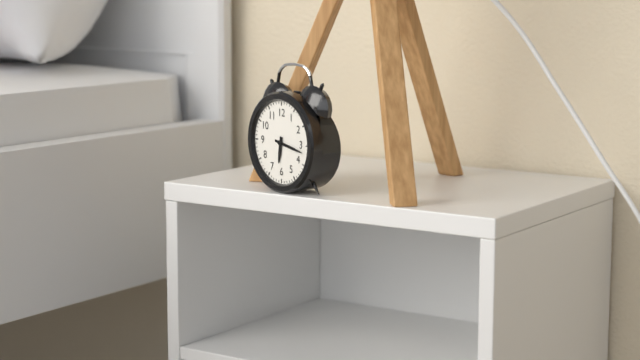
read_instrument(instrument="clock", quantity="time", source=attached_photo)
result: 6:17
